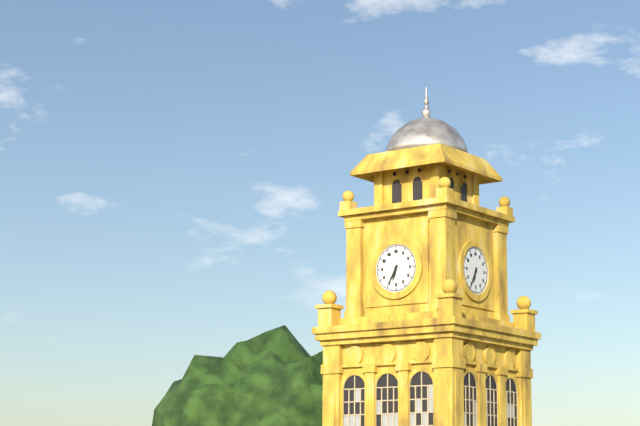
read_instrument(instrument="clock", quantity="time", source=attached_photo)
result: 6:35
